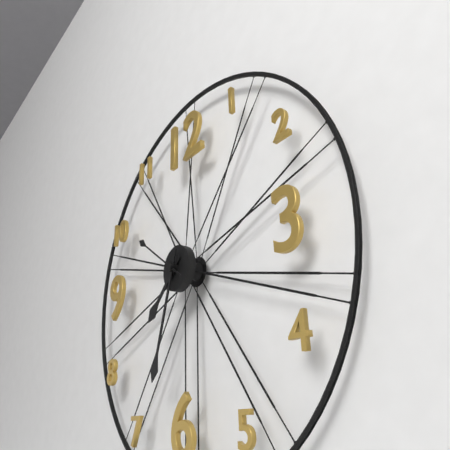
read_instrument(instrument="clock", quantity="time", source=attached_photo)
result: 7:33
